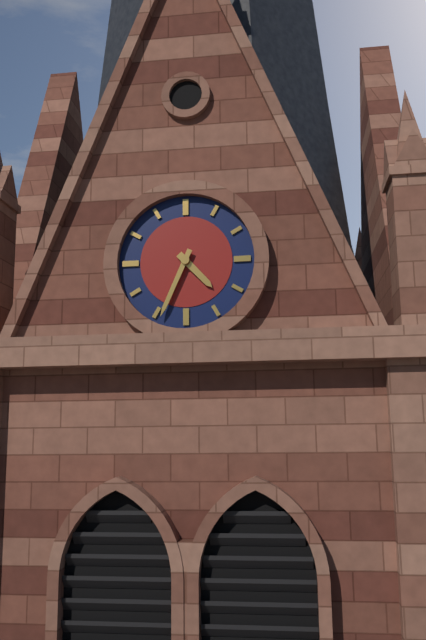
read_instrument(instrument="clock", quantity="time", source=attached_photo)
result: 4:34
